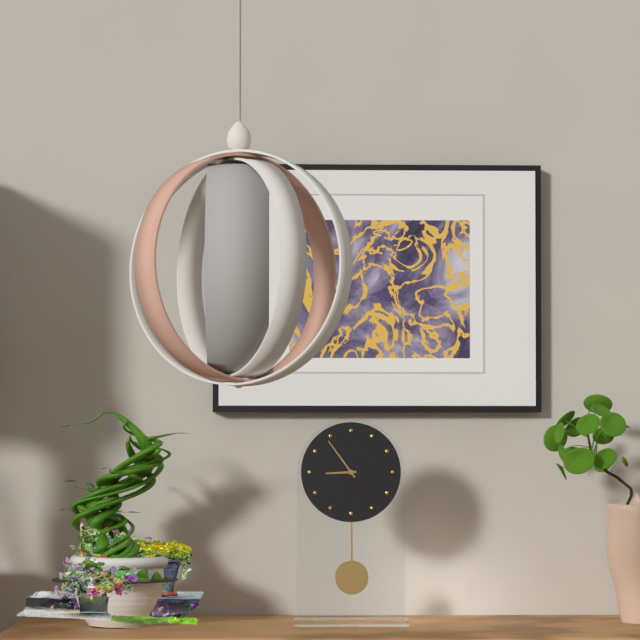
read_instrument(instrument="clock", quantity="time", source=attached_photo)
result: 8:54
